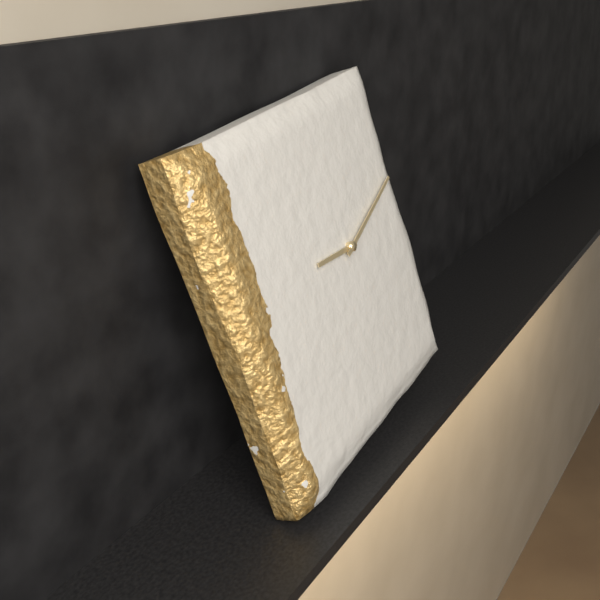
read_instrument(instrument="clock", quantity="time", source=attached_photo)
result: 9:12
